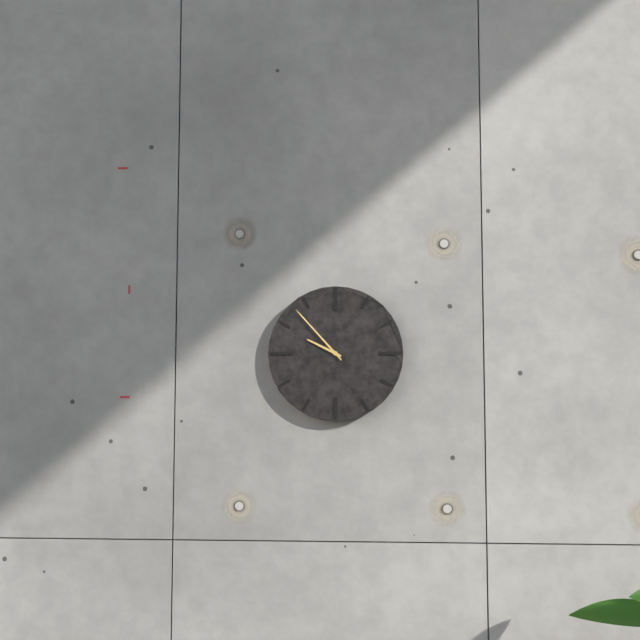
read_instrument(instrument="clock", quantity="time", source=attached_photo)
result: 9:53
